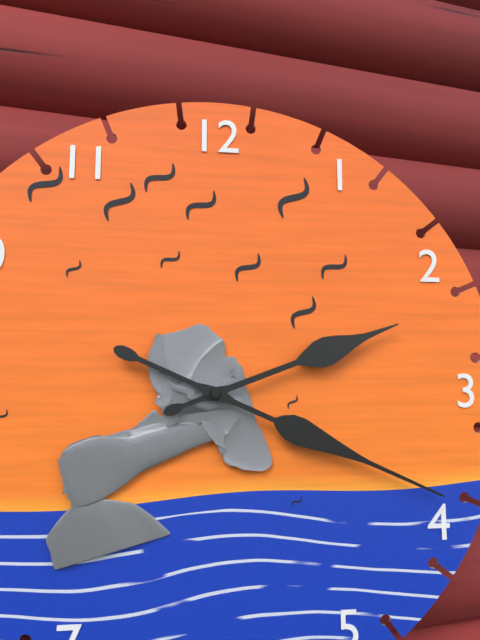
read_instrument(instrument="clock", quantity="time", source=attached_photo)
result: 2:19
